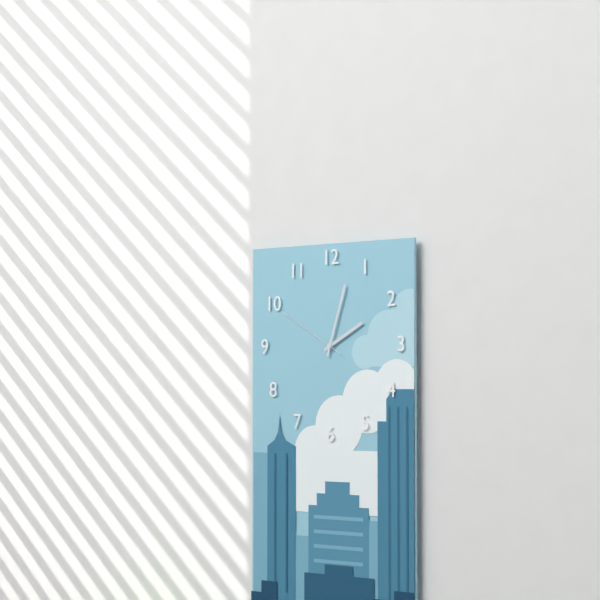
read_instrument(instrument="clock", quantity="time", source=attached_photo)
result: 2:03:50
